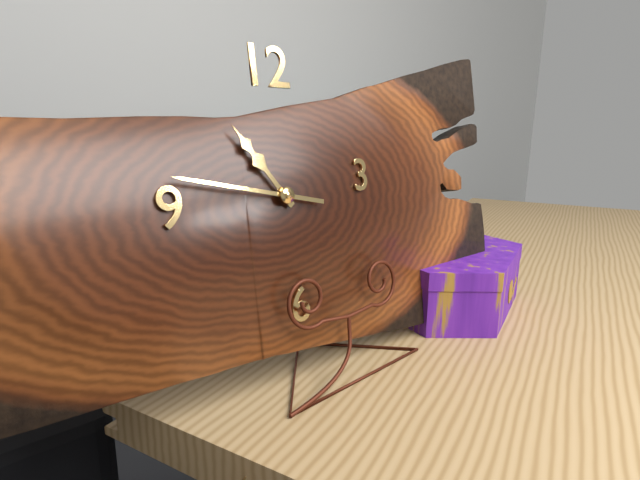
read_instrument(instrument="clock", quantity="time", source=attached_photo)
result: 10:47
